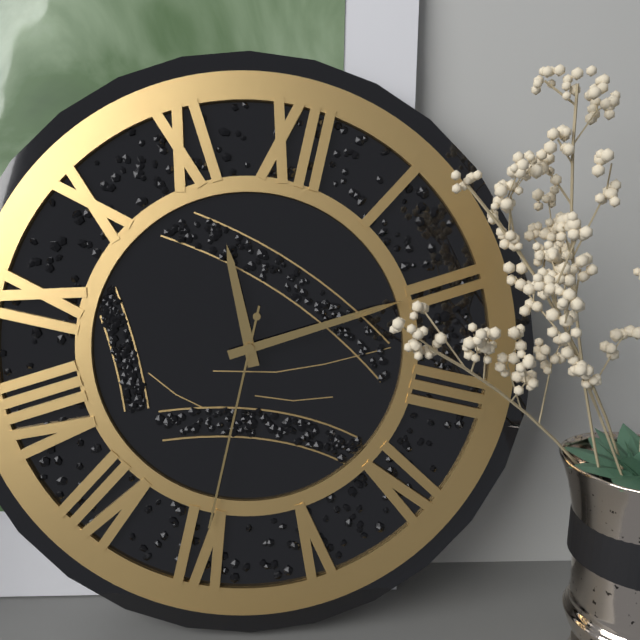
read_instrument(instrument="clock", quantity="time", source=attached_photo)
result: 11:10:30
